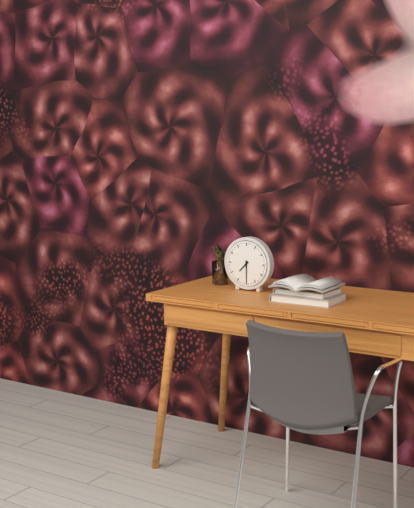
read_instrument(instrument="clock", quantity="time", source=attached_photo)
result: 7:30
